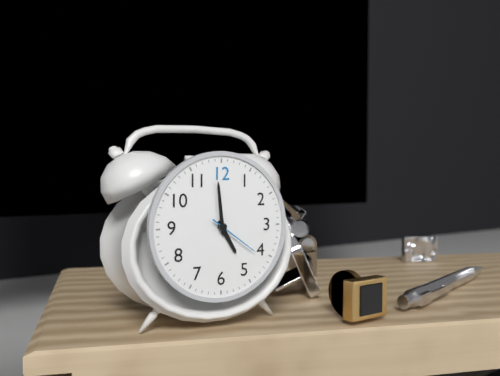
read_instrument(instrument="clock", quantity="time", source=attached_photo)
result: 4:59:21
